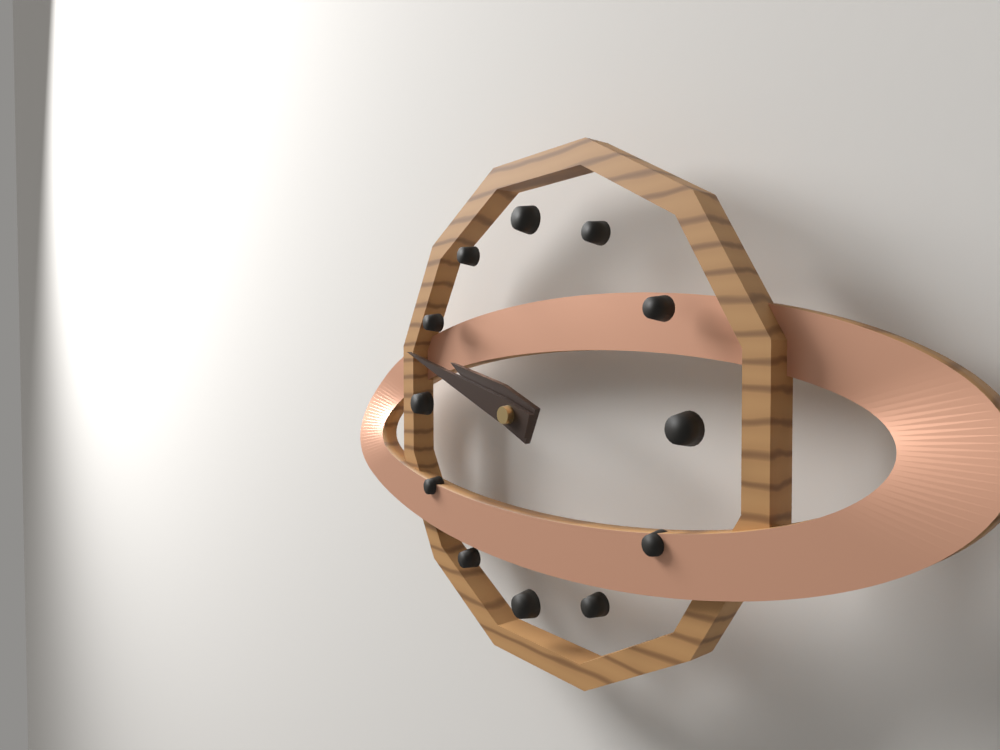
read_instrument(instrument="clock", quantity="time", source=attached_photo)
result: 9:48
